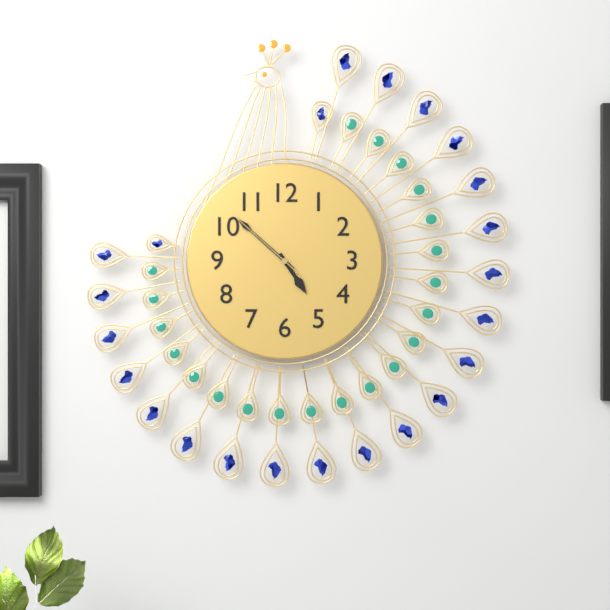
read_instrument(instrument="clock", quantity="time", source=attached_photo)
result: 4:52:52
